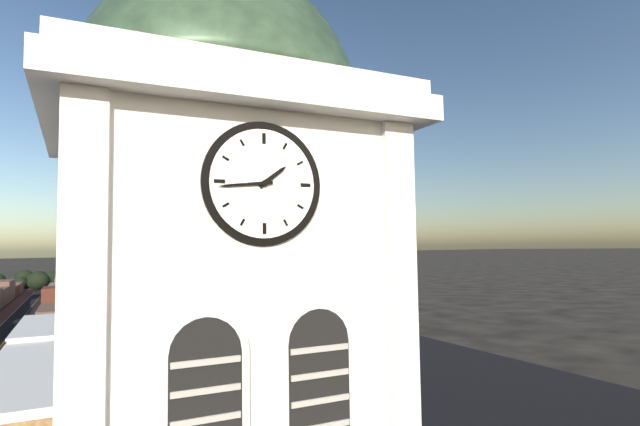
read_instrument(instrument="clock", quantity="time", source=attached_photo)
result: 1:44
